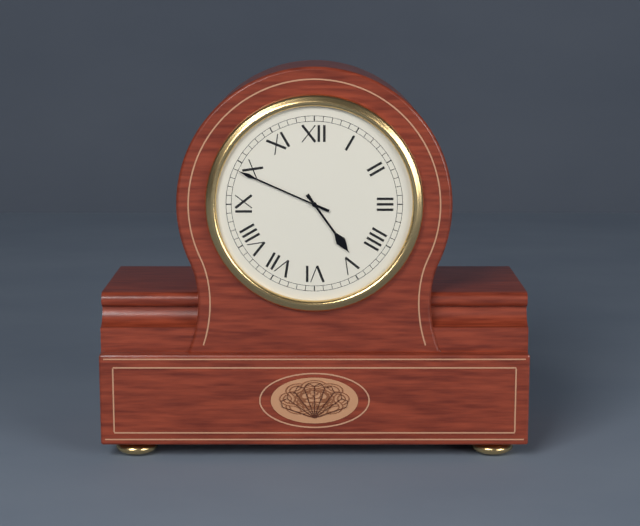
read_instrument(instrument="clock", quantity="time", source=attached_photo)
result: 4:49
